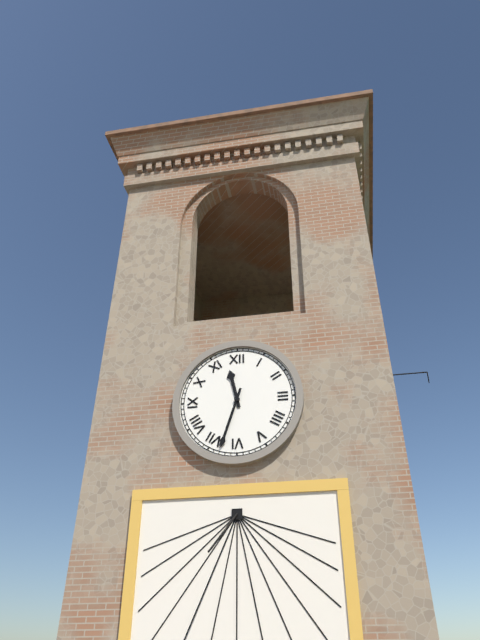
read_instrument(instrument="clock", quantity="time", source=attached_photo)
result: 11:33
